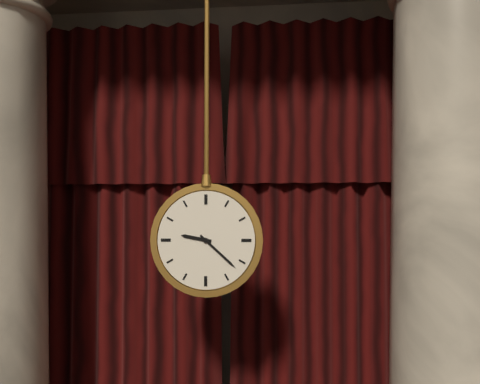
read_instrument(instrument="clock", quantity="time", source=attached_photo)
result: 9:22
